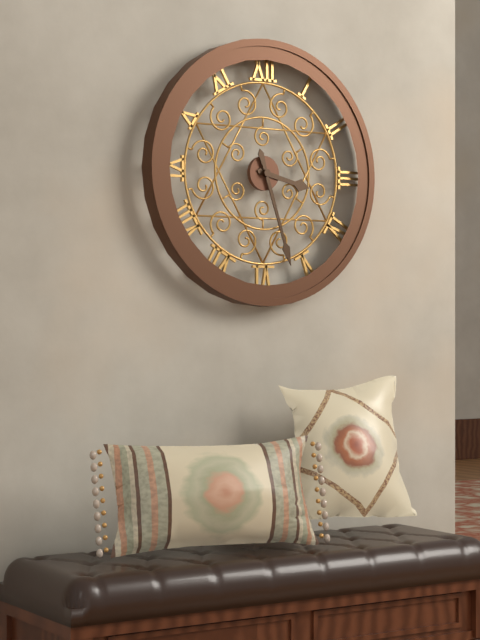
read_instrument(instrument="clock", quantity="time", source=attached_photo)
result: 3:27
